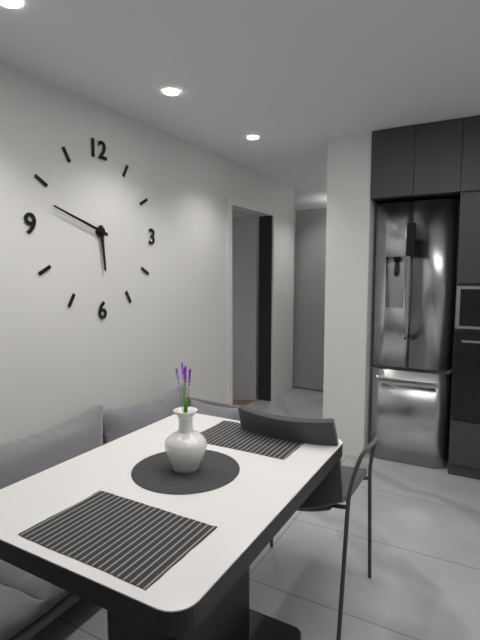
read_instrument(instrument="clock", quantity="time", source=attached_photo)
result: 5:48
